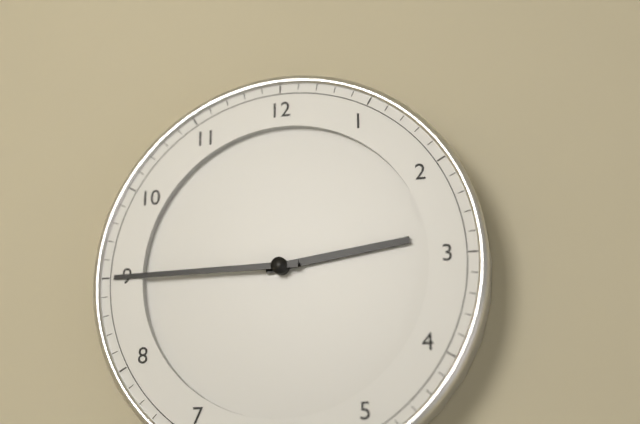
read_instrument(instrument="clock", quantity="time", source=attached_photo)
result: 2:45
